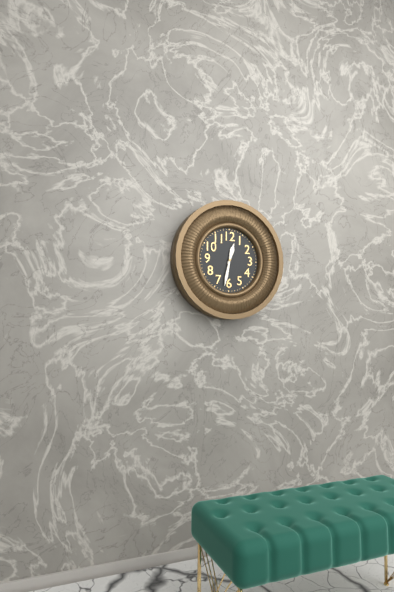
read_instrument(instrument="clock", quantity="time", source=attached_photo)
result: 12:32
